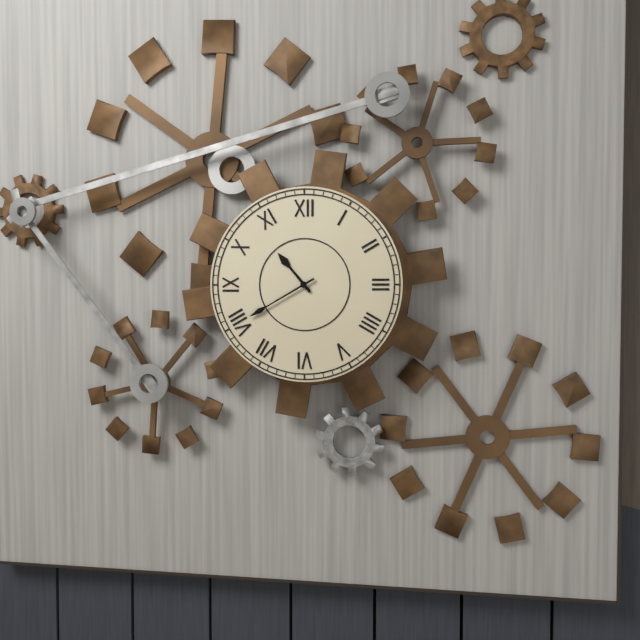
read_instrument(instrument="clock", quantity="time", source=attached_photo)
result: 10:40
